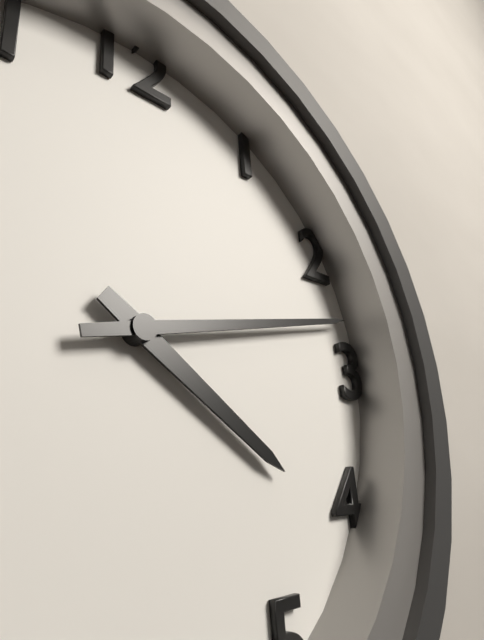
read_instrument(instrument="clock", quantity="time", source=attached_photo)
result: 4:13
